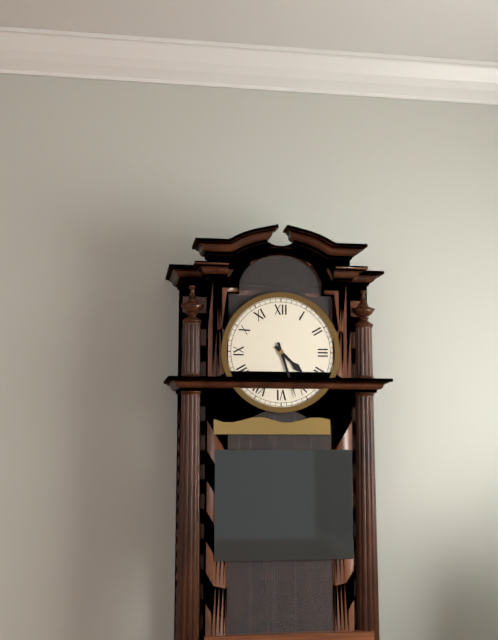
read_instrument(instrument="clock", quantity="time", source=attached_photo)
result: 4:27
